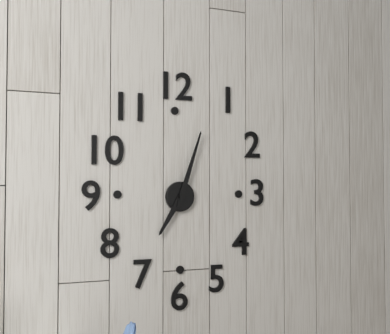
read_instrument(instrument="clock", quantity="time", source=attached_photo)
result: 7:03
